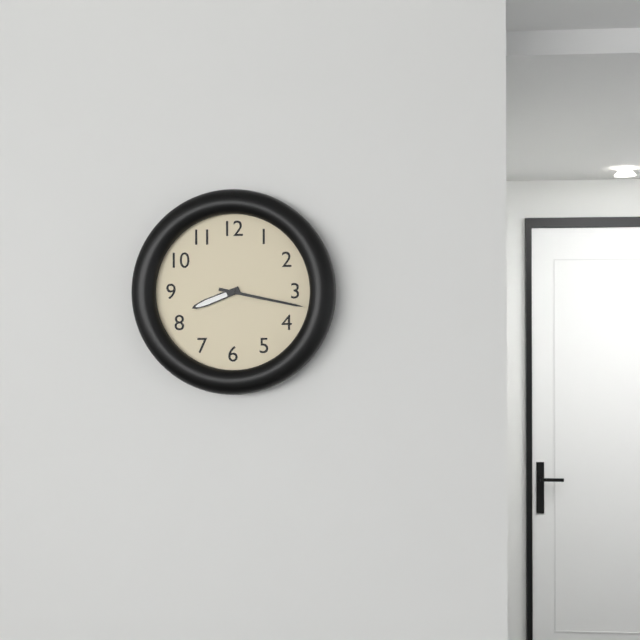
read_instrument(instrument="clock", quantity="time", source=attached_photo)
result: 8:17
